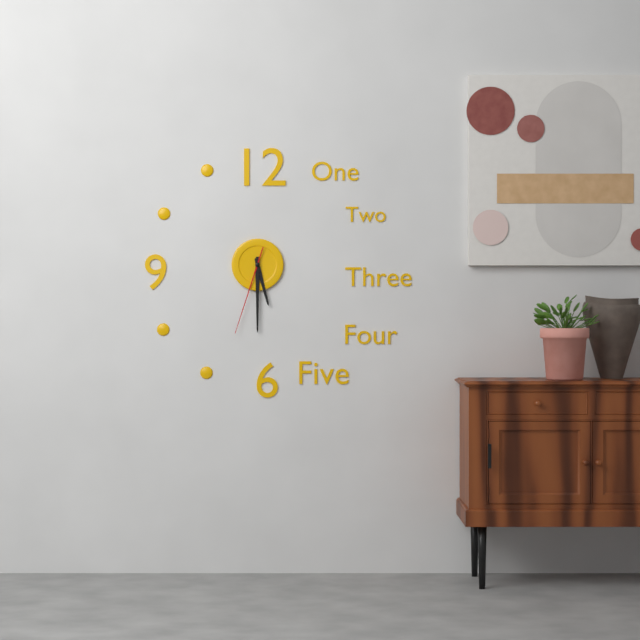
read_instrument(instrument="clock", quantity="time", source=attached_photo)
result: 5:30:33
